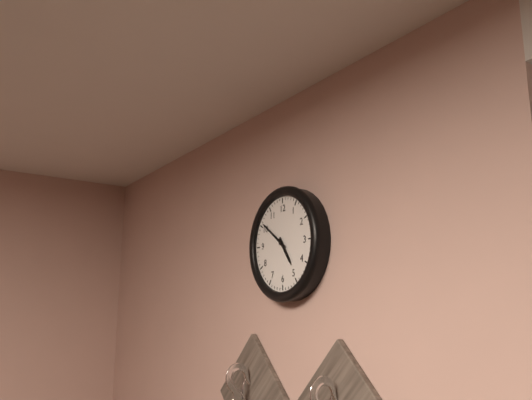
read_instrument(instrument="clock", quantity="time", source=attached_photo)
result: 4:51
